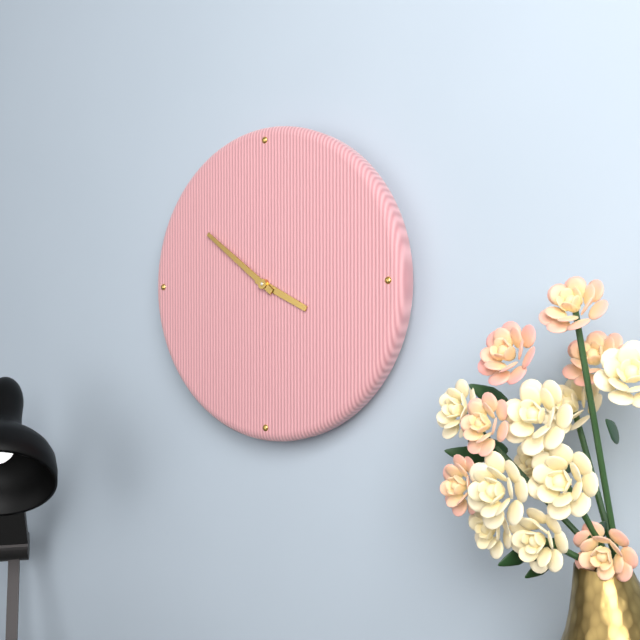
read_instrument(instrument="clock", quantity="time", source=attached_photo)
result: 3:51
